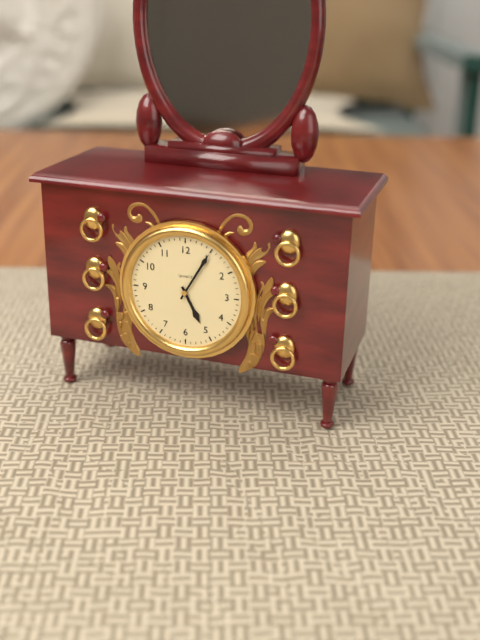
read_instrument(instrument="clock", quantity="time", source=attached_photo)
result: 5:05
